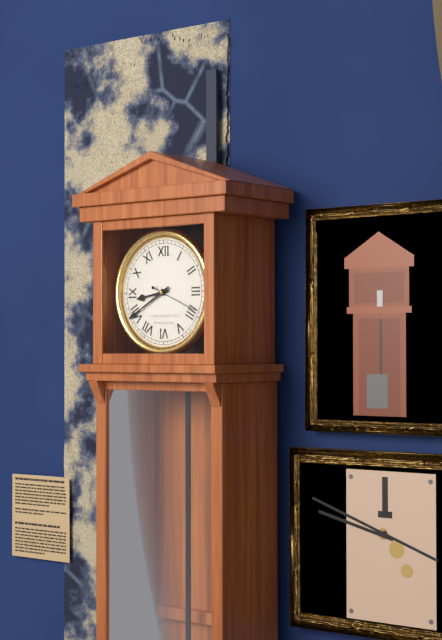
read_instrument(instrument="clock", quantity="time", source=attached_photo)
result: 8:40
